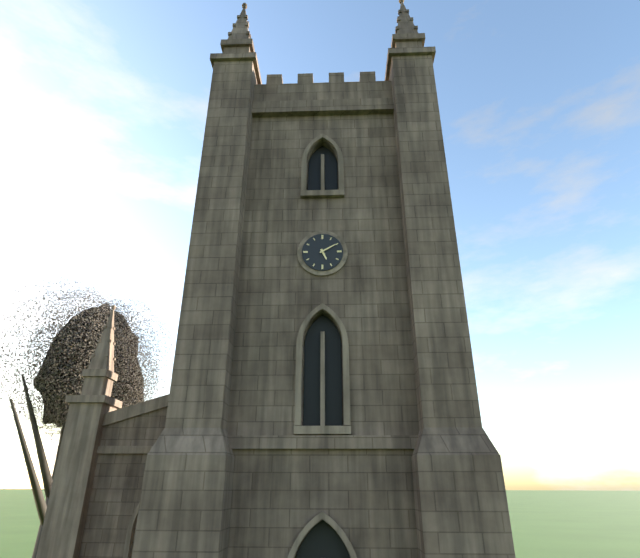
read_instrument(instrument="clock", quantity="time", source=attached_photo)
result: 5:10
